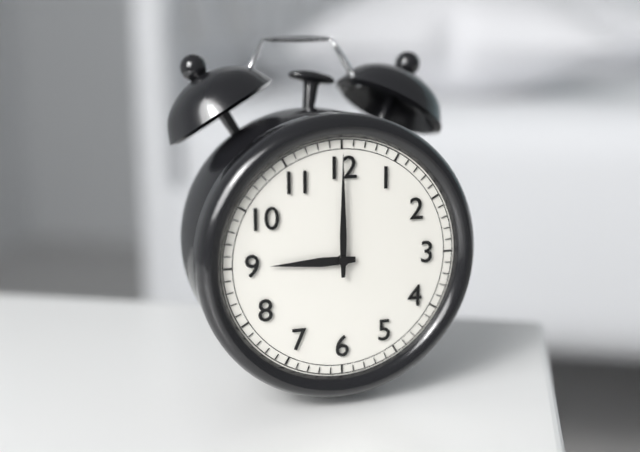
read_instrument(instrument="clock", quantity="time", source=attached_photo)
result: 9:00
